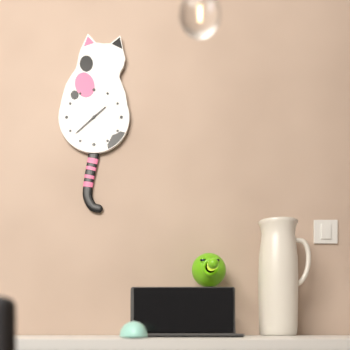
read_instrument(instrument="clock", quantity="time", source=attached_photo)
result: 1:38
